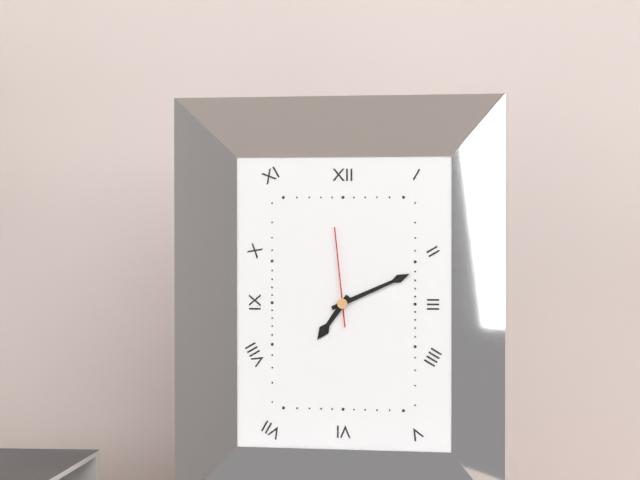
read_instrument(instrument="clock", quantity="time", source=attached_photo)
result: 7:11:59
